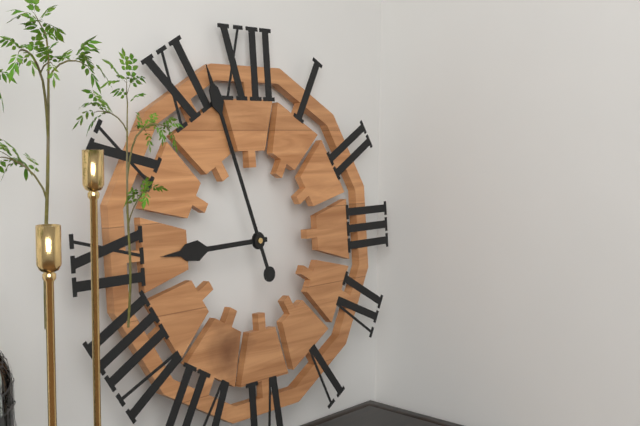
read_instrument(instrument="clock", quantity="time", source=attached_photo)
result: 8:57
